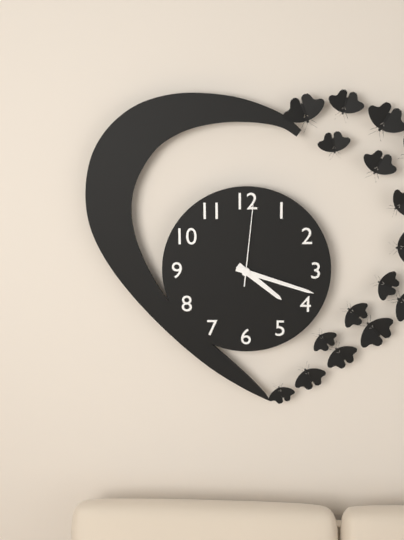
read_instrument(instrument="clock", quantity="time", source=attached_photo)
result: 4:18:01
